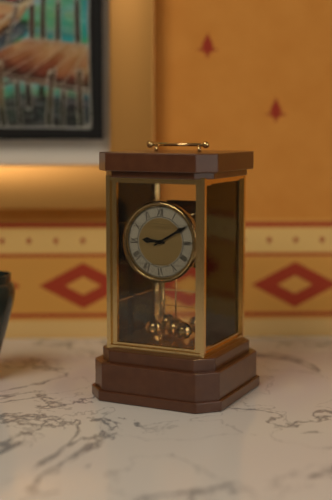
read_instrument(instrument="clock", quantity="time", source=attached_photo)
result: 9:10
